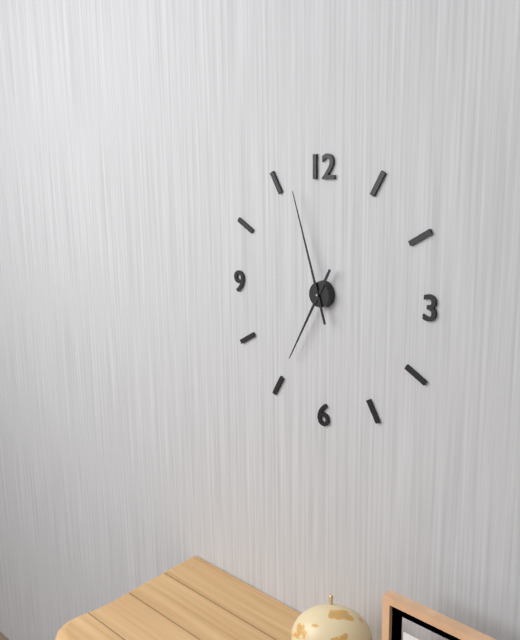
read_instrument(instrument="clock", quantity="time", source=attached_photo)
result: 6:57
